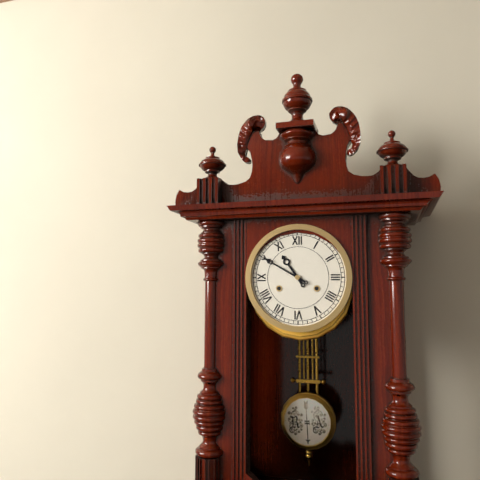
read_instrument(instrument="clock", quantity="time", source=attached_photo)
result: 10:50
